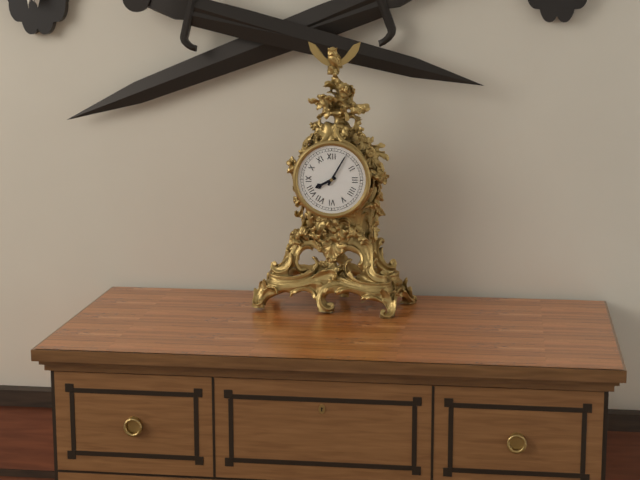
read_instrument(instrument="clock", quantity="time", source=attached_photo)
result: 8:05
